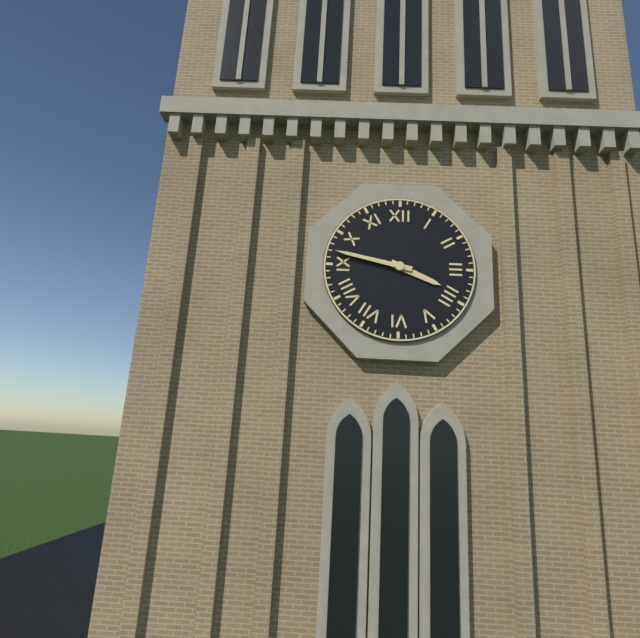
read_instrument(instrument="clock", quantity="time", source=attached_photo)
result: 3:47
